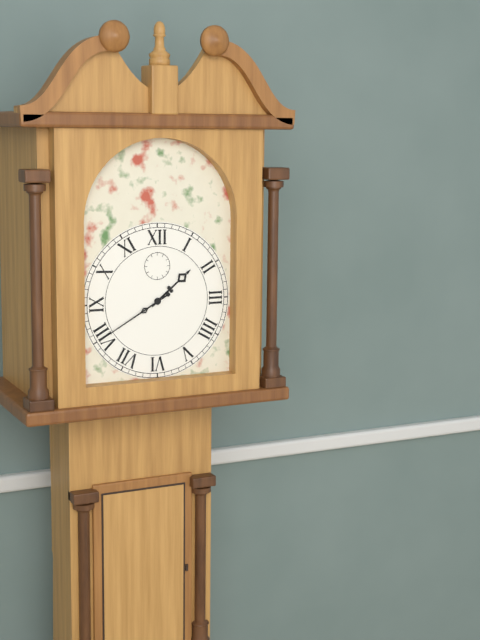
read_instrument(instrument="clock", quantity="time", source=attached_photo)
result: 1:40
